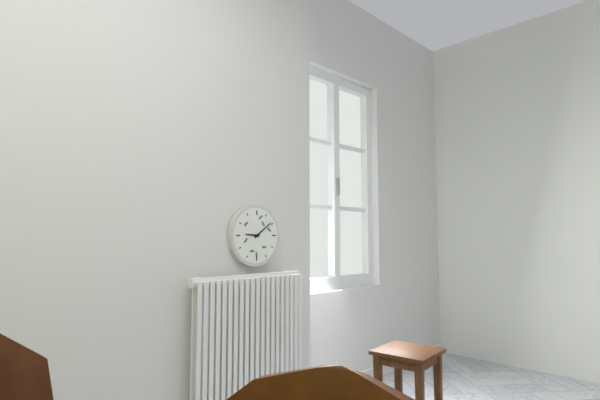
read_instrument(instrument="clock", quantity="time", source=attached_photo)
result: 9:09
